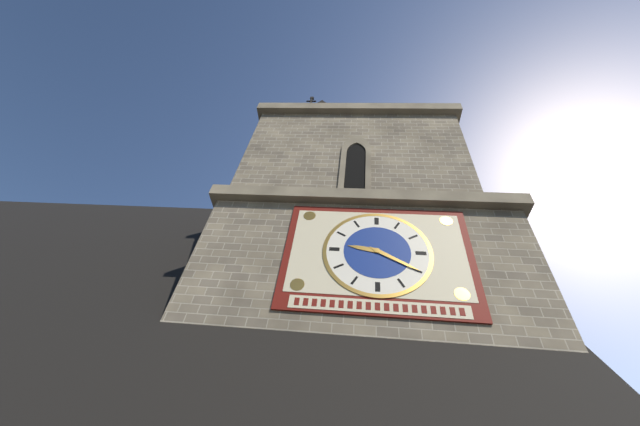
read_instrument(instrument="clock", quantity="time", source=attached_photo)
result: 9:20
